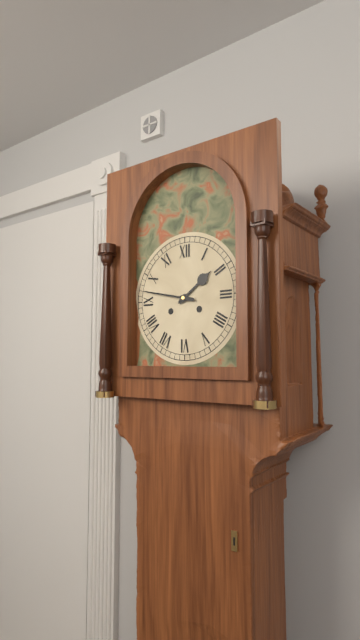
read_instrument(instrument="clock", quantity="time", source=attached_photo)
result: 1:47
